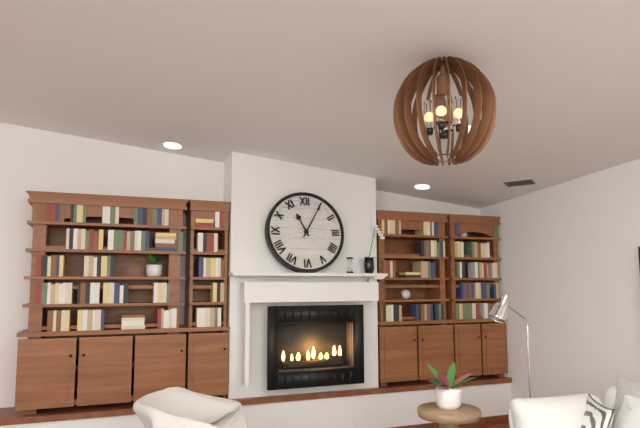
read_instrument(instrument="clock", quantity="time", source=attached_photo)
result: 11:05
